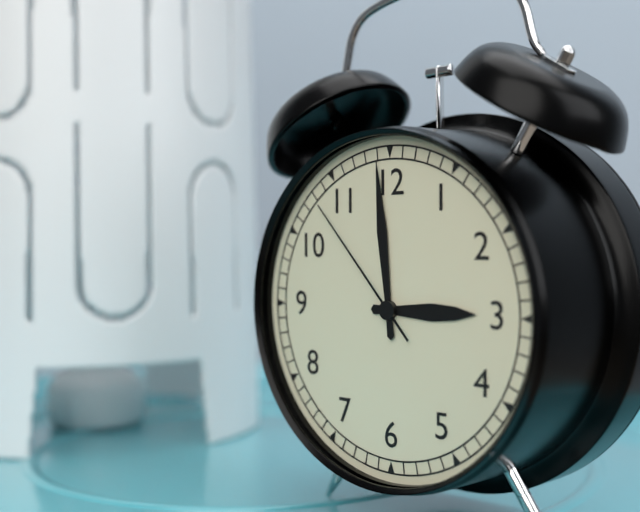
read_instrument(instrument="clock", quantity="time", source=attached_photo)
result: 2:59:53
